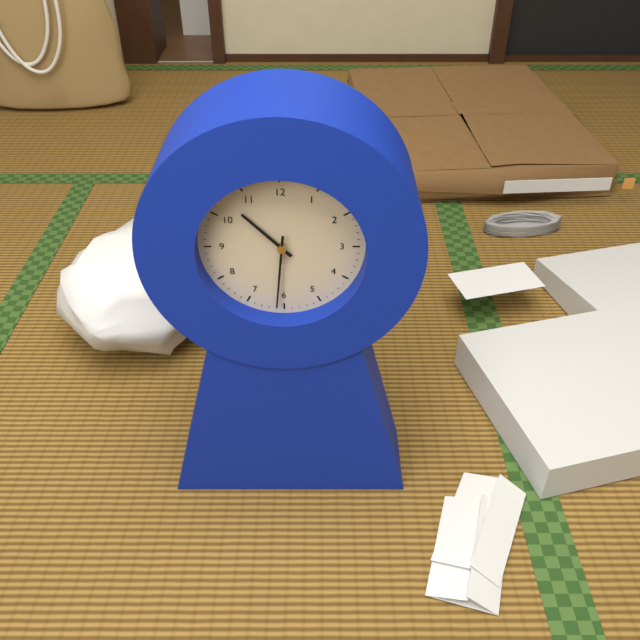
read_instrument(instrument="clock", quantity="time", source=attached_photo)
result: 10:31
